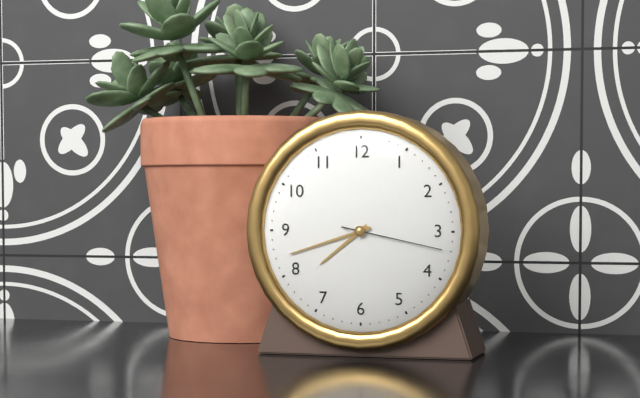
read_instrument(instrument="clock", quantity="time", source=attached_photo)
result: 7:42:17
